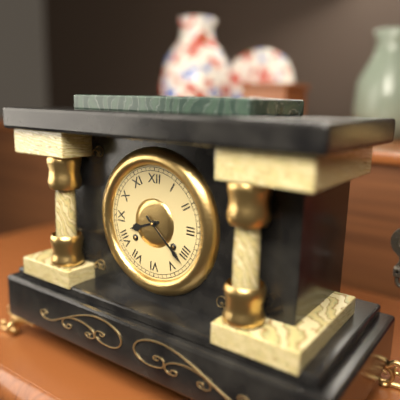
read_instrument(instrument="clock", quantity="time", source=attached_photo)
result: 8:22
